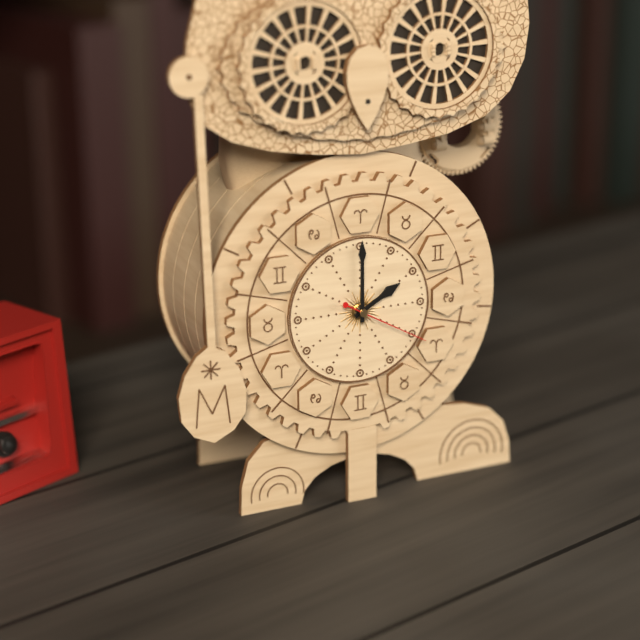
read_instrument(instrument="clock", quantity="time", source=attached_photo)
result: 2:00:20
